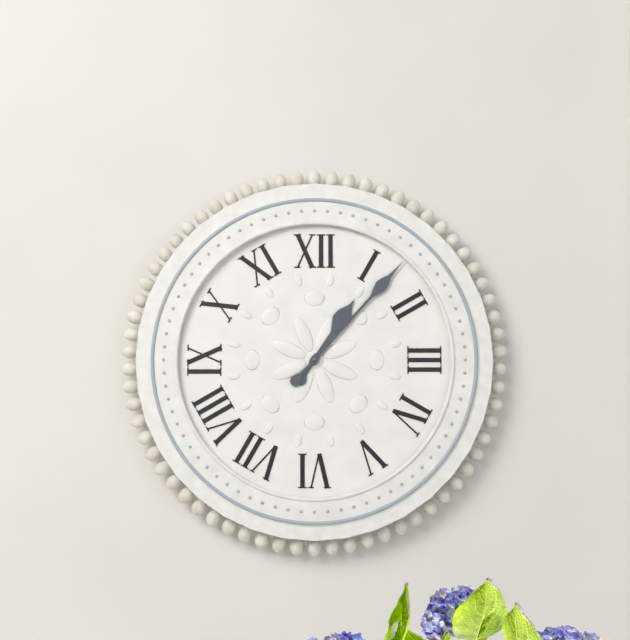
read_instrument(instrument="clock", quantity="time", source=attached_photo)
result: 1:07
